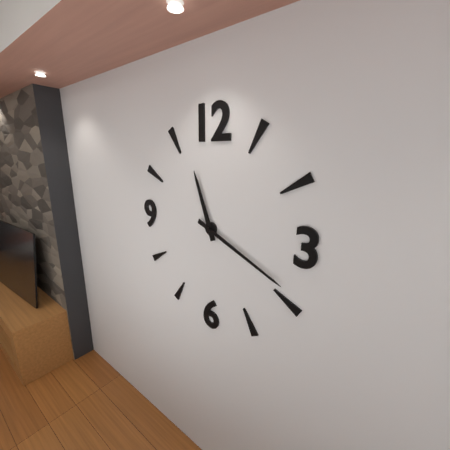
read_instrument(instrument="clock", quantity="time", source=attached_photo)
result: 11:19
